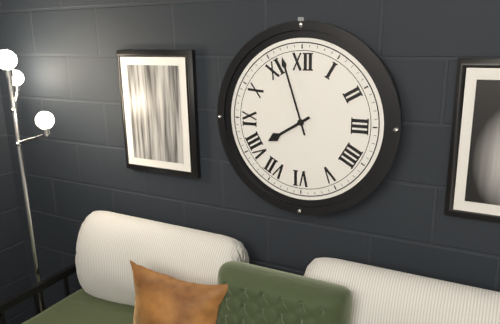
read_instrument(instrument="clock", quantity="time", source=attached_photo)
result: 7:57
